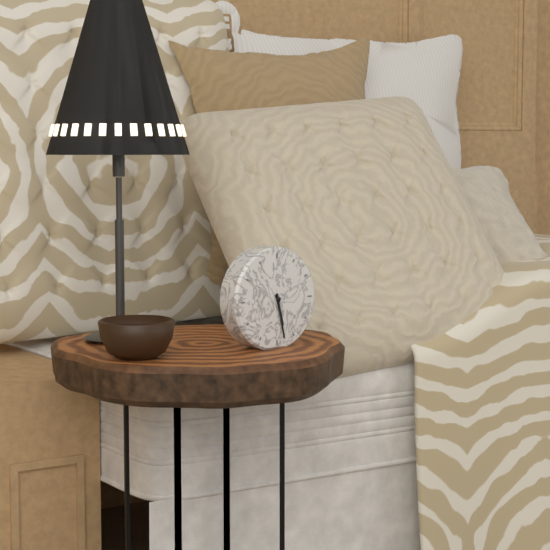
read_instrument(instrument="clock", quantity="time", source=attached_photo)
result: 5:28
